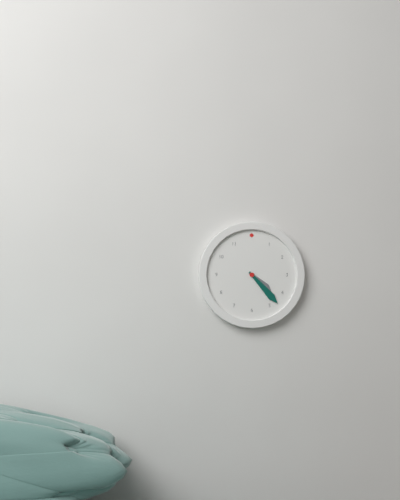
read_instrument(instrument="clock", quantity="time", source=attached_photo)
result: 4:23
